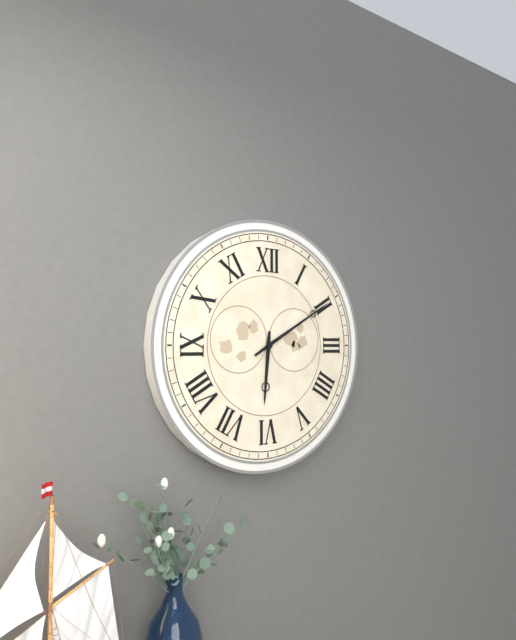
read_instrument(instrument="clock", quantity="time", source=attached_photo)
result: 6:10
